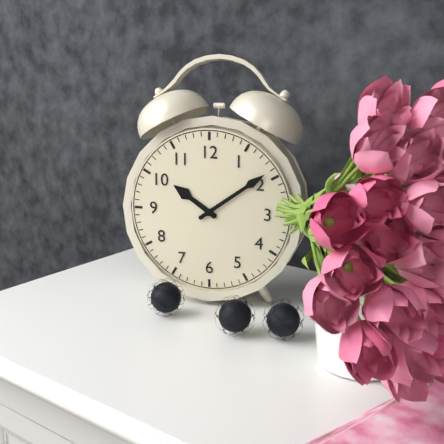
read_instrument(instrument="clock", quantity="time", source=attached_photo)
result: 10:09
